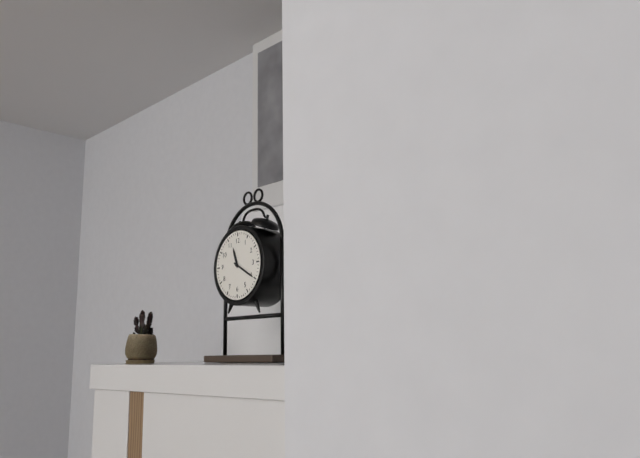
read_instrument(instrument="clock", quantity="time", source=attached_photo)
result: 11:20
